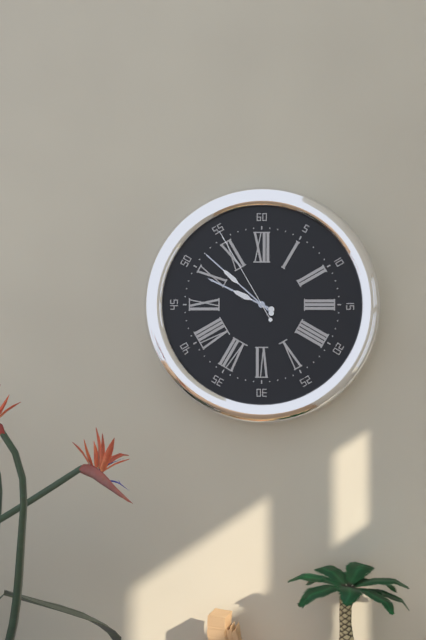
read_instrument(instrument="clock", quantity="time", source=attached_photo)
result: 9:52:55
